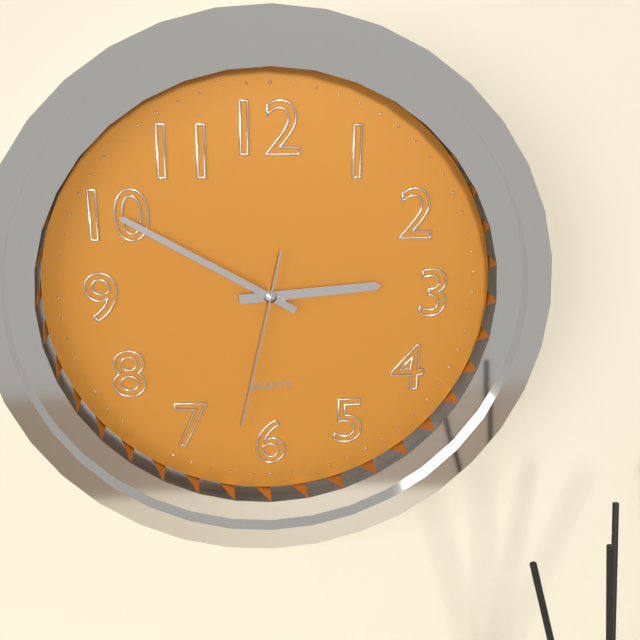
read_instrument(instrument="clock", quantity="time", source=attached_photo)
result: 2:50:32
